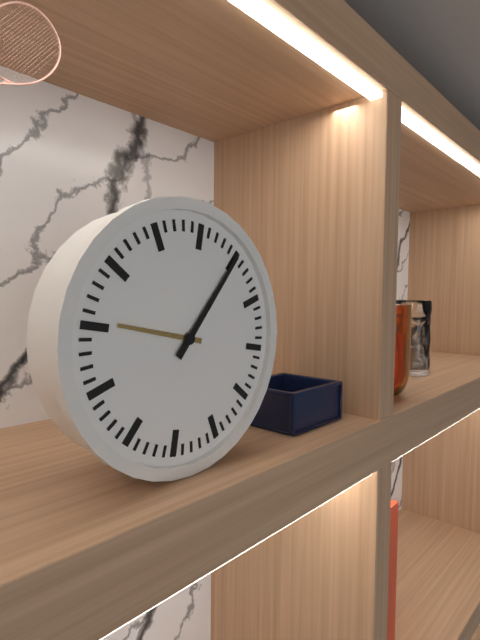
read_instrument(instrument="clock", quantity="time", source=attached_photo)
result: 9:05
